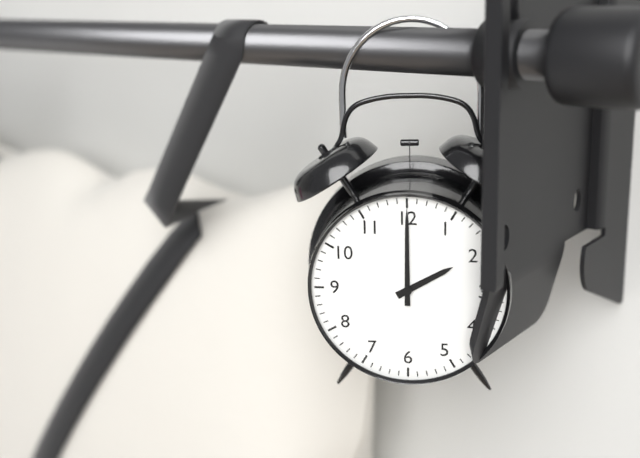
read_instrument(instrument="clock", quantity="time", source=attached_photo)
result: 2:00
